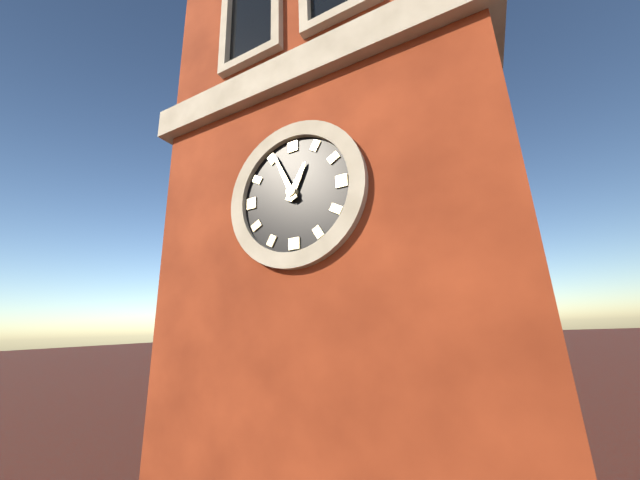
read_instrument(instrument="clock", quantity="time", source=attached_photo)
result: 12:56
